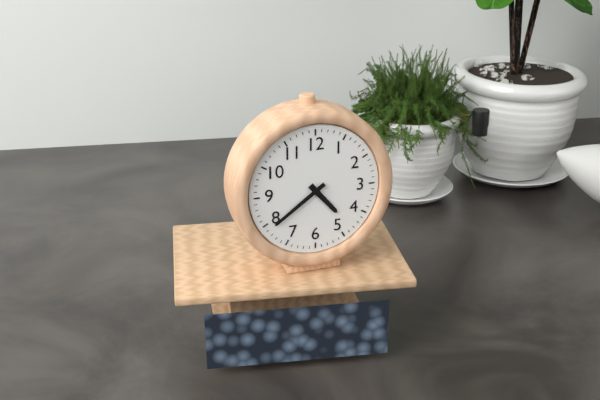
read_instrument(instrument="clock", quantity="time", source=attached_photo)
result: 4:39
